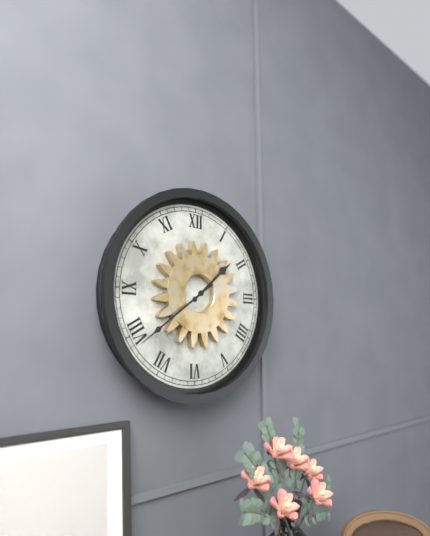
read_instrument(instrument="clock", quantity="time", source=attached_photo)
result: 1:39
